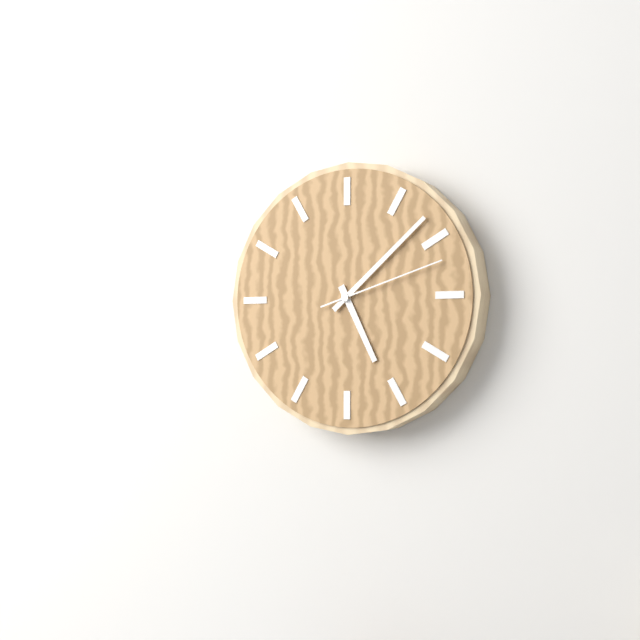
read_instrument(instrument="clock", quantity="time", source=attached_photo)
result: 5:08:12
